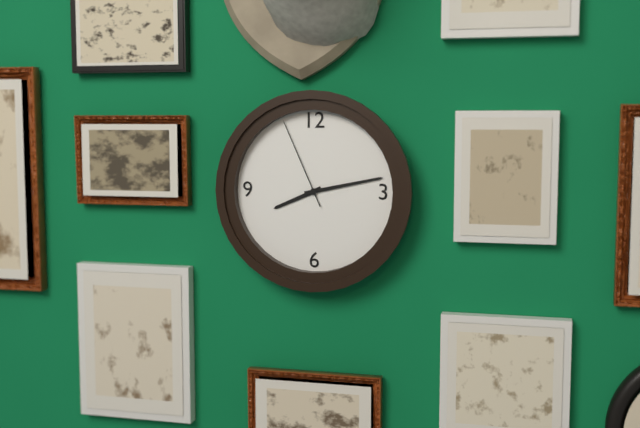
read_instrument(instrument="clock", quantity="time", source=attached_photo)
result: 8:13:56
